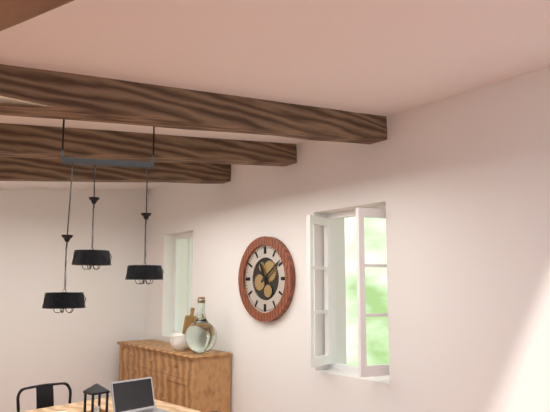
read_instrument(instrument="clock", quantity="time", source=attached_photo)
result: 11:09
